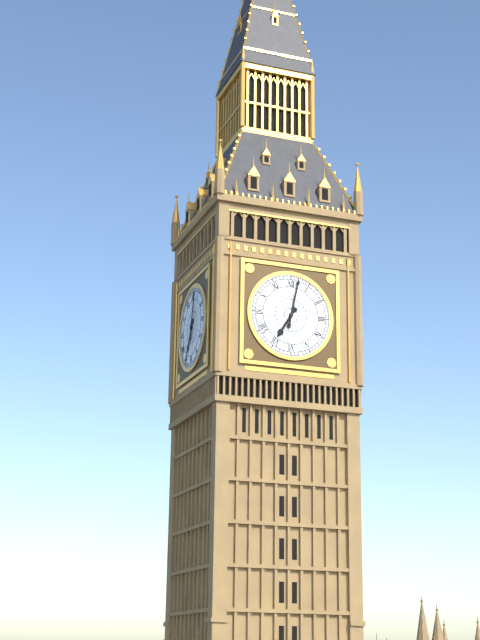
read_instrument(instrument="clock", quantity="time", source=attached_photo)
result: 7:02
